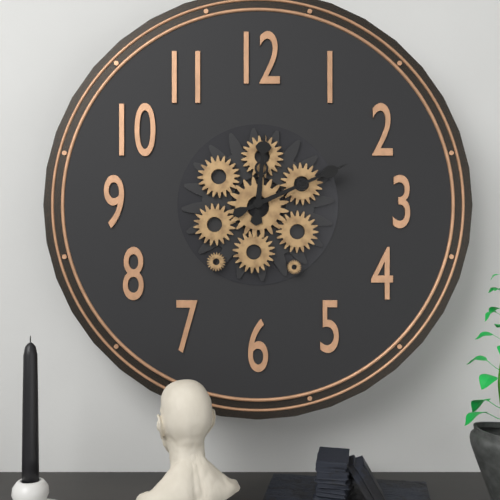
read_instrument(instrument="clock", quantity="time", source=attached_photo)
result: 12:11
